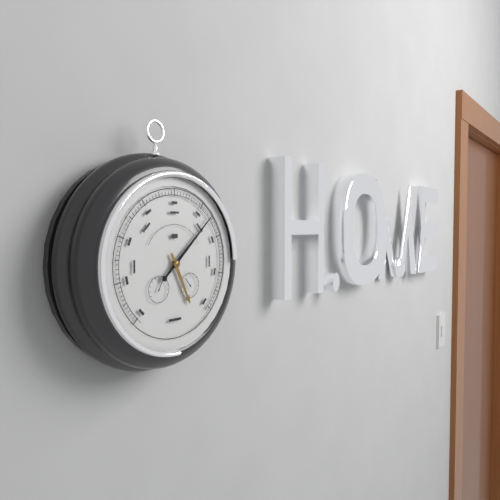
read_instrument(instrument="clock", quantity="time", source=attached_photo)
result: 5:08
